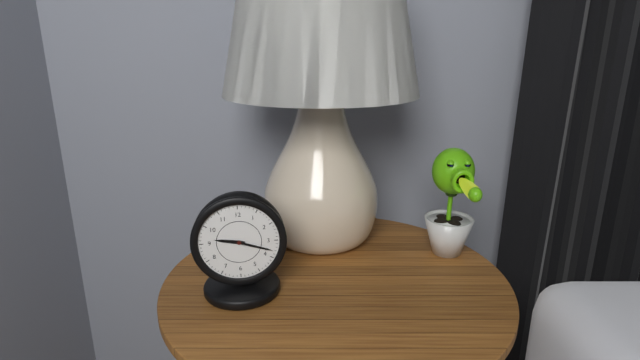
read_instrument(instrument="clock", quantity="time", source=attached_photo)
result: 9:18
